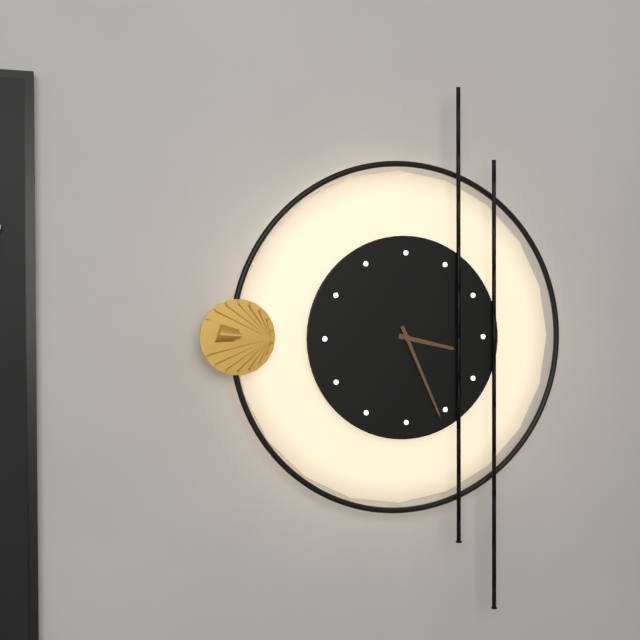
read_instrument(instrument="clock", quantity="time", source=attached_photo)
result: 3:26
